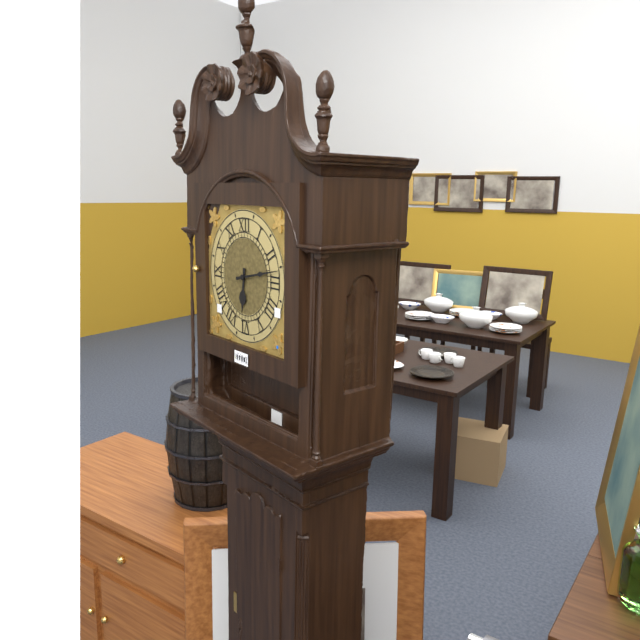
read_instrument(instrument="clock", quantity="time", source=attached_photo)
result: 6:13
